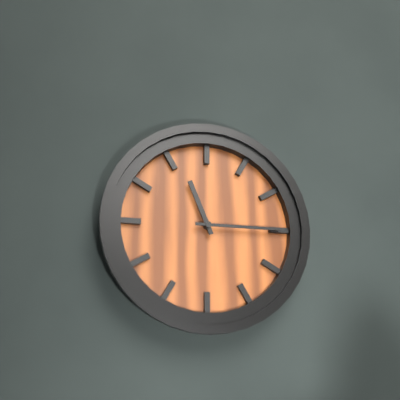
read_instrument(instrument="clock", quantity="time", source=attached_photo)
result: 11:15
